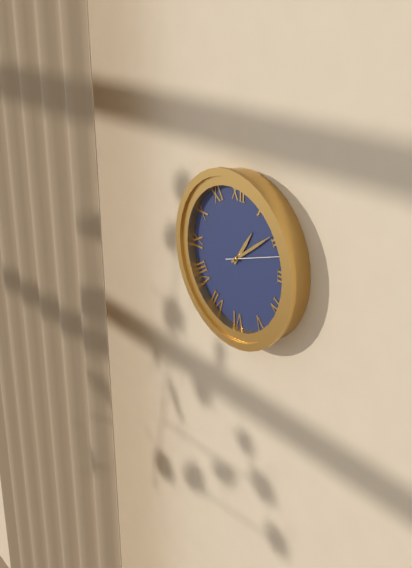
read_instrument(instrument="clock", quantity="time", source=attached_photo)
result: 1:09:12
